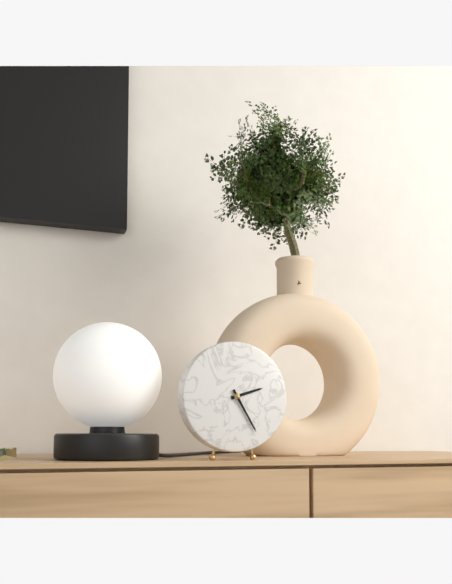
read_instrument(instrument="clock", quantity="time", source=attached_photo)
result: 2:25
